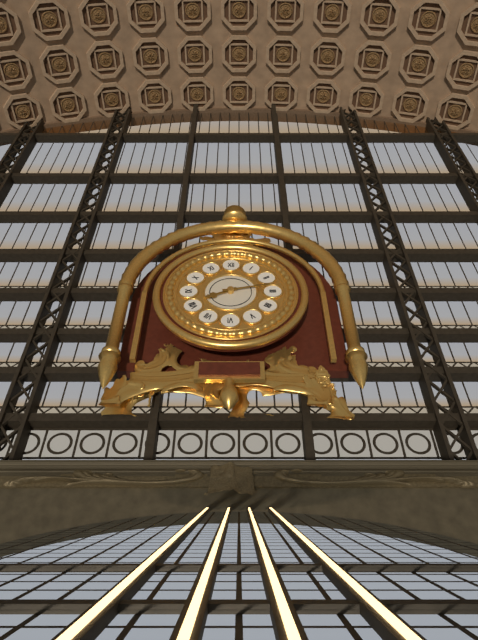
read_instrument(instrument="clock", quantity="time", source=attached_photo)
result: 8:13
